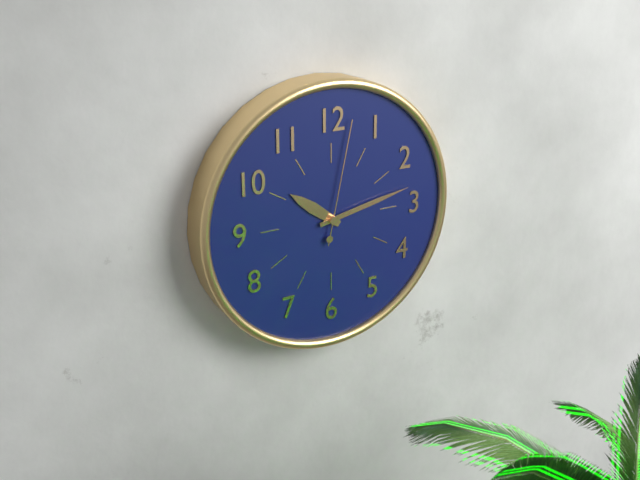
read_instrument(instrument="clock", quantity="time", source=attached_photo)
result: 10:13:02
